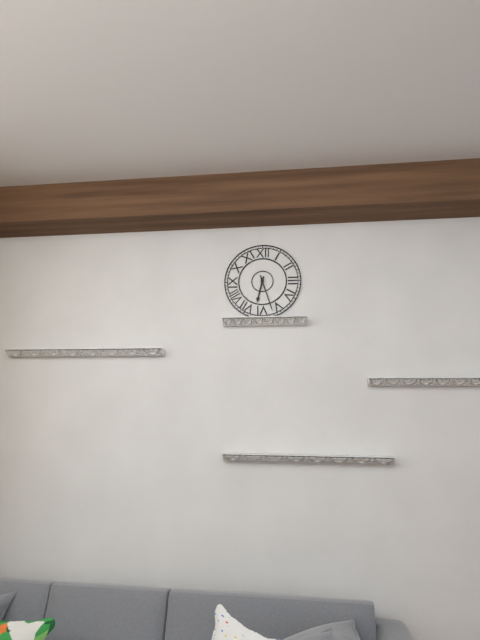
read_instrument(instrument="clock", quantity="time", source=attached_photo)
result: 6:27
